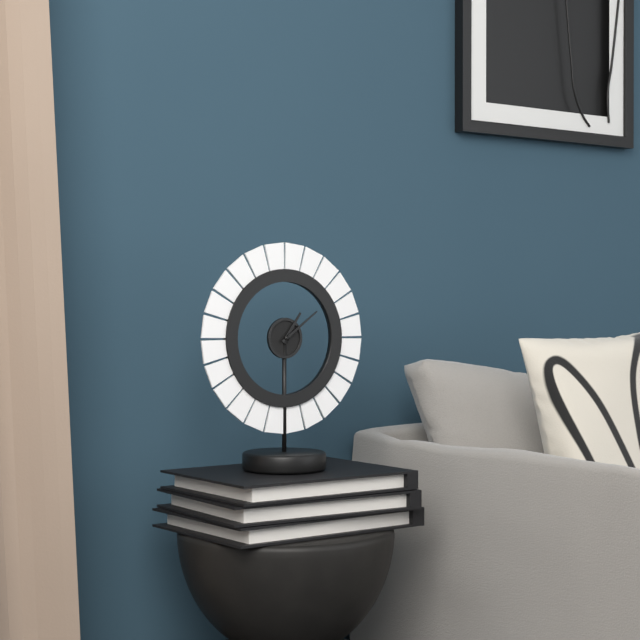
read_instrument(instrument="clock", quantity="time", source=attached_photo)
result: 1:09
